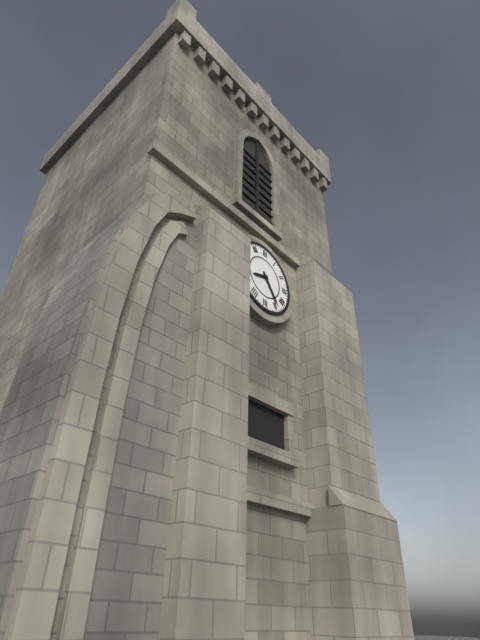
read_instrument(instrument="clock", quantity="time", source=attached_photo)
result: 8:24
